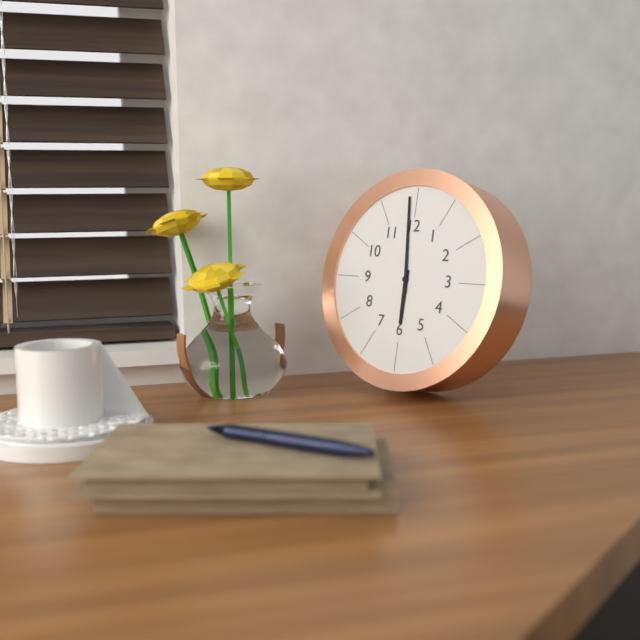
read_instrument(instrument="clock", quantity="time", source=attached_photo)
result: 5:59
